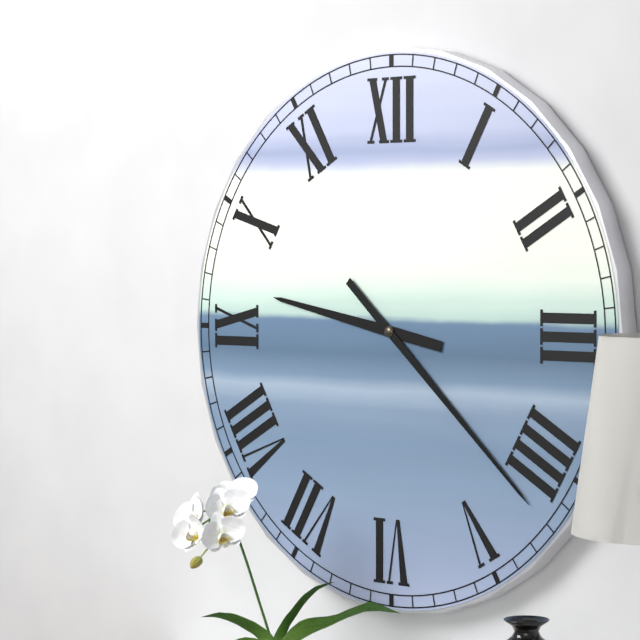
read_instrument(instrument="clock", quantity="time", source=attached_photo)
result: 9:22
